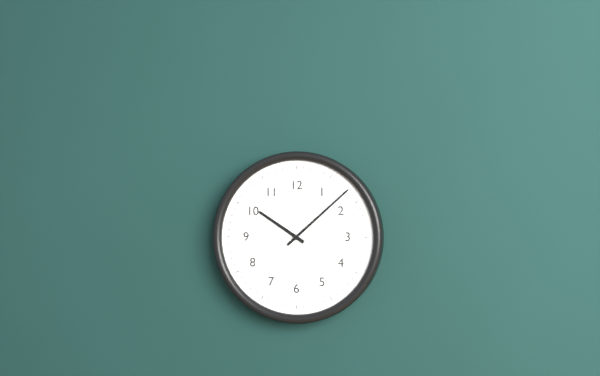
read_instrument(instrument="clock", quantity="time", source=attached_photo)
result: 10:08
